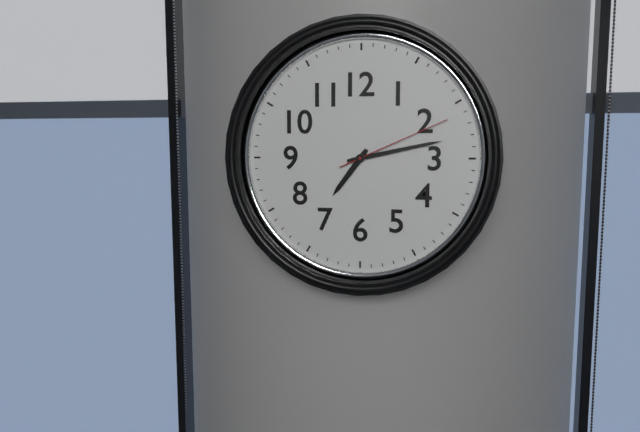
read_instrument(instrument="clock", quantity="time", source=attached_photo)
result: 7:13:11
